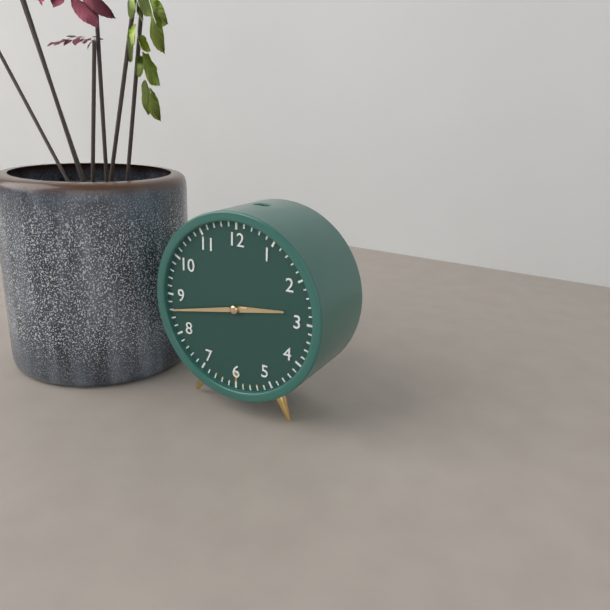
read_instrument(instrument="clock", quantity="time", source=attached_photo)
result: 2:43
